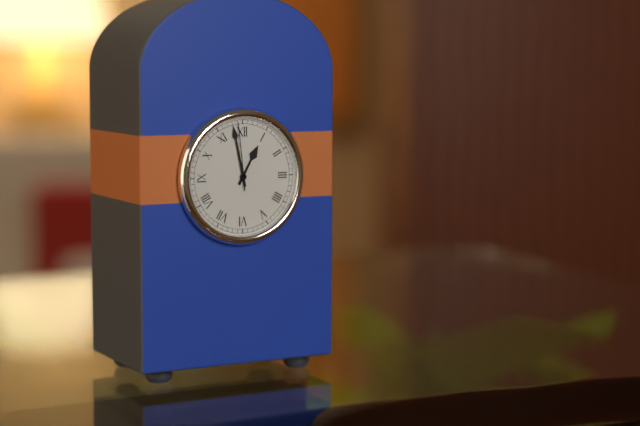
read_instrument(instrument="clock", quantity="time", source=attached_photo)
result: 12:58:59
